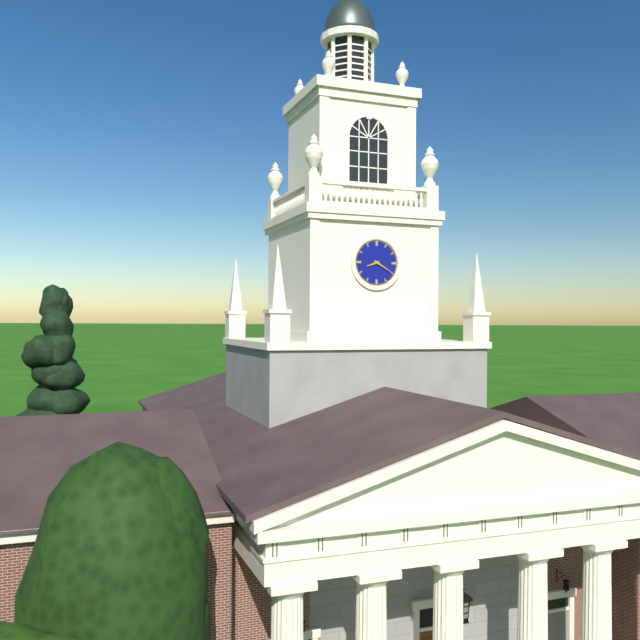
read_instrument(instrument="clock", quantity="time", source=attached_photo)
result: 8:20
